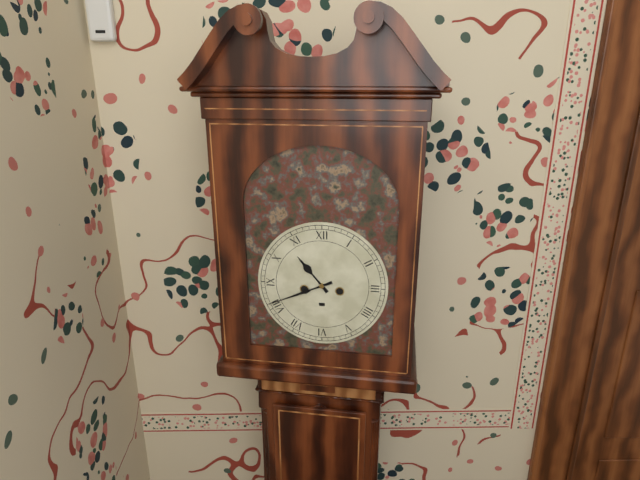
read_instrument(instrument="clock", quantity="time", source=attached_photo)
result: 10:41
